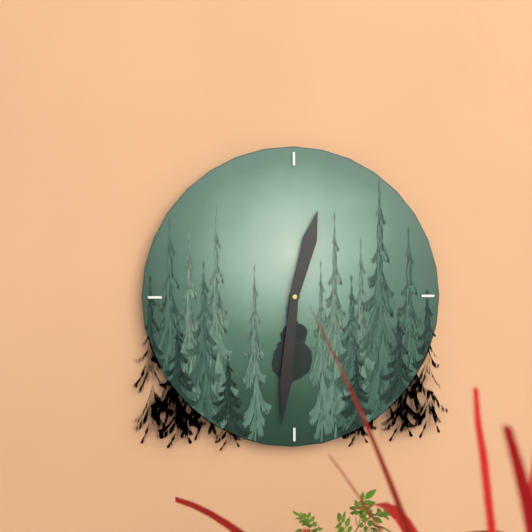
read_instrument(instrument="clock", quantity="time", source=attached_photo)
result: 12:31
